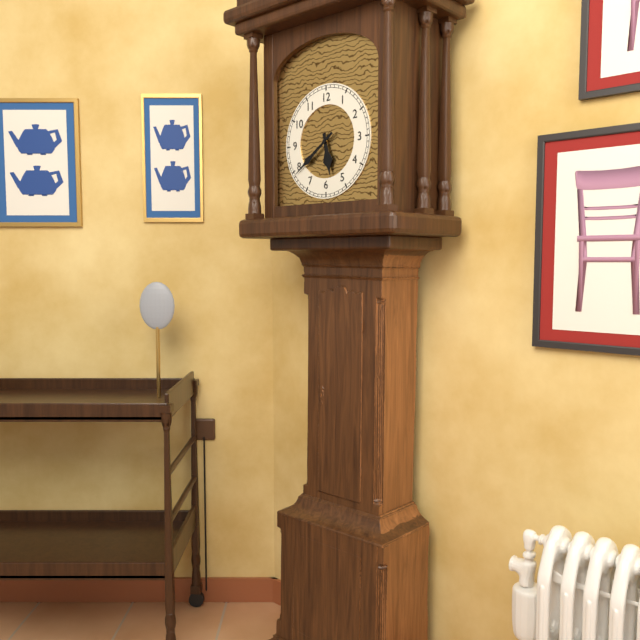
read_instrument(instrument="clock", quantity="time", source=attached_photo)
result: 5:39
